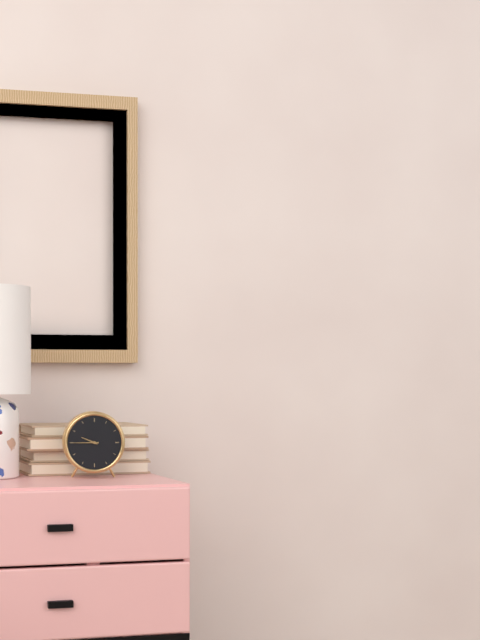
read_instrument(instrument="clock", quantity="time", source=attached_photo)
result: 9:45
